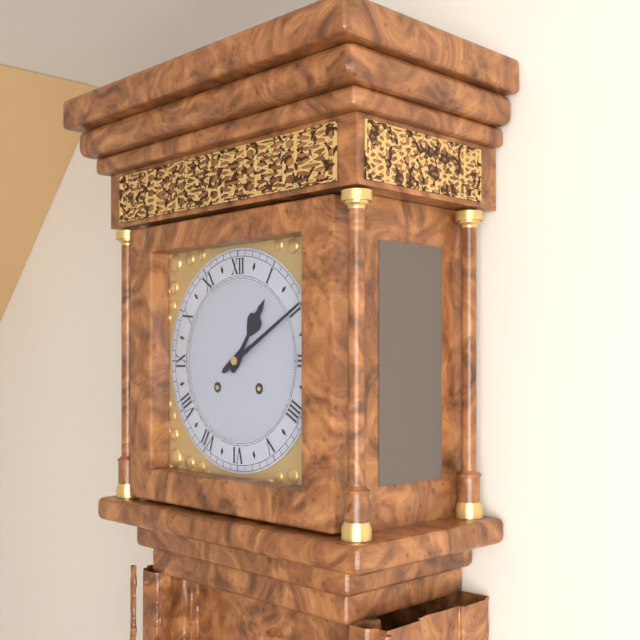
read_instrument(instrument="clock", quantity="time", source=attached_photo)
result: 1:10
